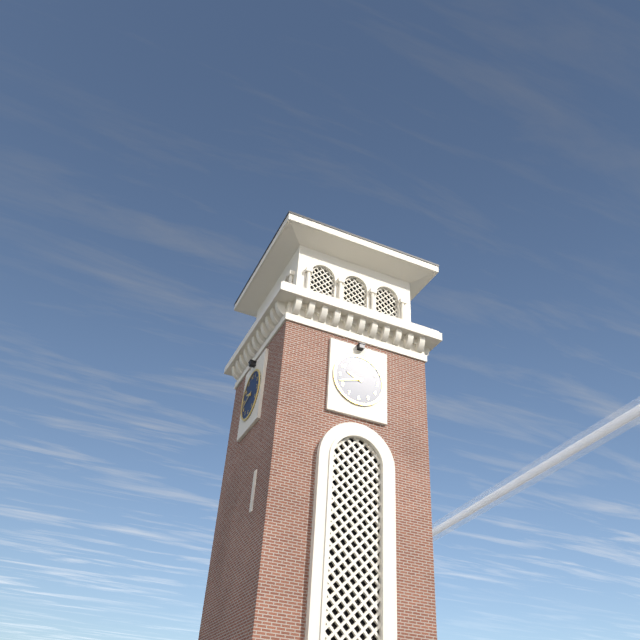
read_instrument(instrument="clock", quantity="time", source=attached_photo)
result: 9:42
